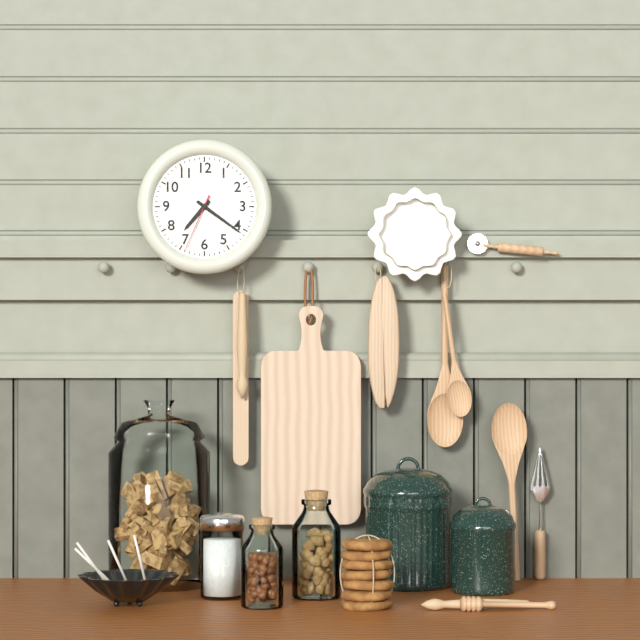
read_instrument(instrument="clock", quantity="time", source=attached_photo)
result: 7:21:34
